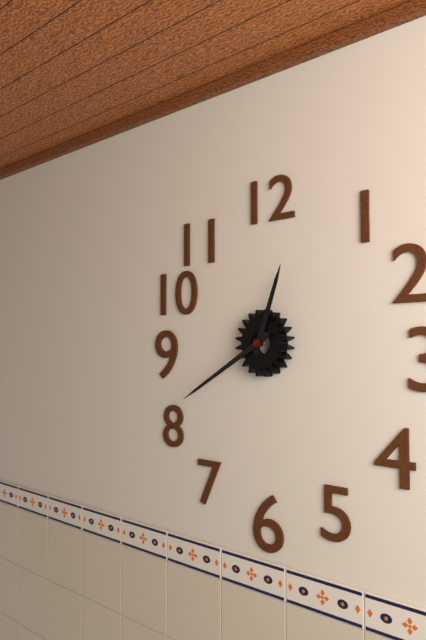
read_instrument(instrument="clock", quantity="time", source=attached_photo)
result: 12:40
